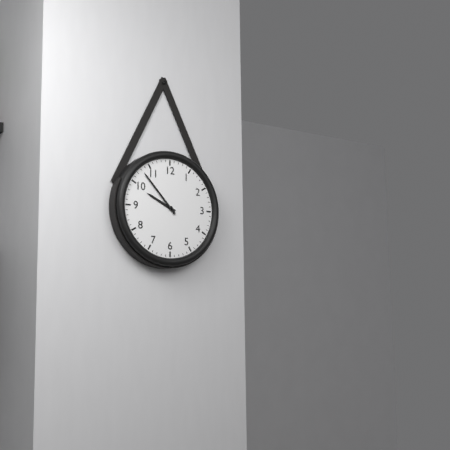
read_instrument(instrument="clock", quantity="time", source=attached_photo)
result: 9:53
